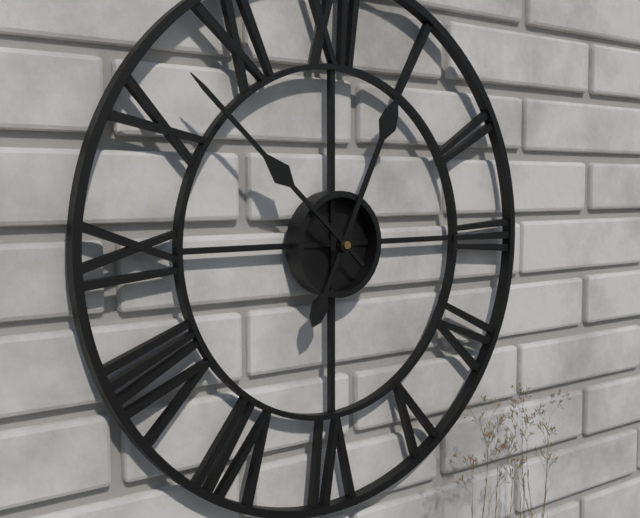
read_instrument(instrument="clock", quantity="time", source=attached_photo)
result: 12:52
